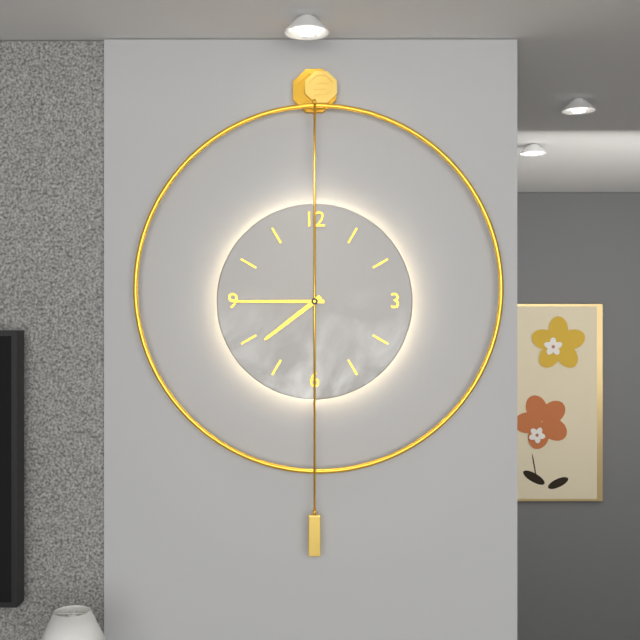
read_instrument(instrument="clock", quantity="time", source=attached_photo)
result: 7:45
